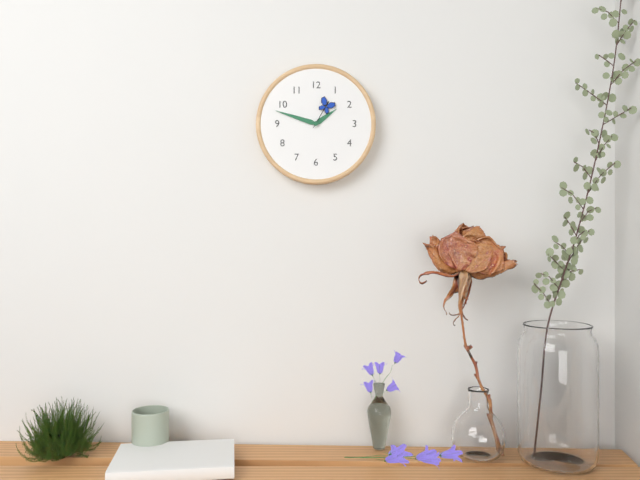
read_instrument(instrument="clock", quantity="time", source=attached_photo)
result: 1:48
